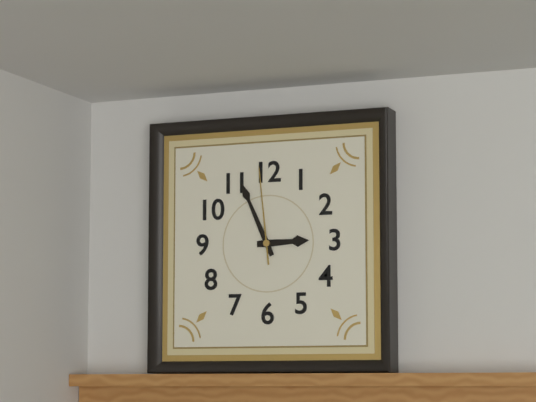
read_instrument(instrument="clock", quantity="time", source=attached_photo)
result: 2:56:59
